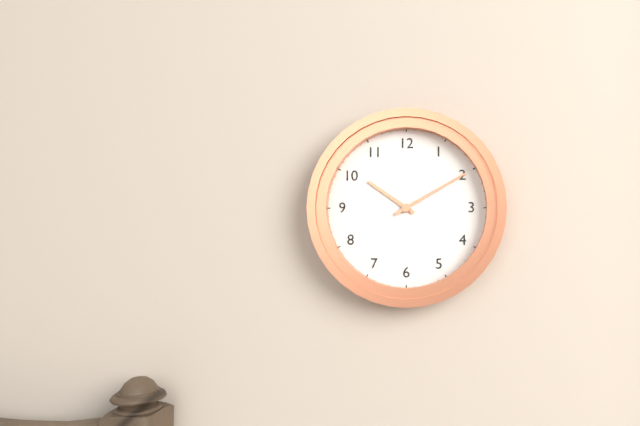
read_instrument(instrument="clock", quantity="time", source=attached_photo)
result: 10:10
